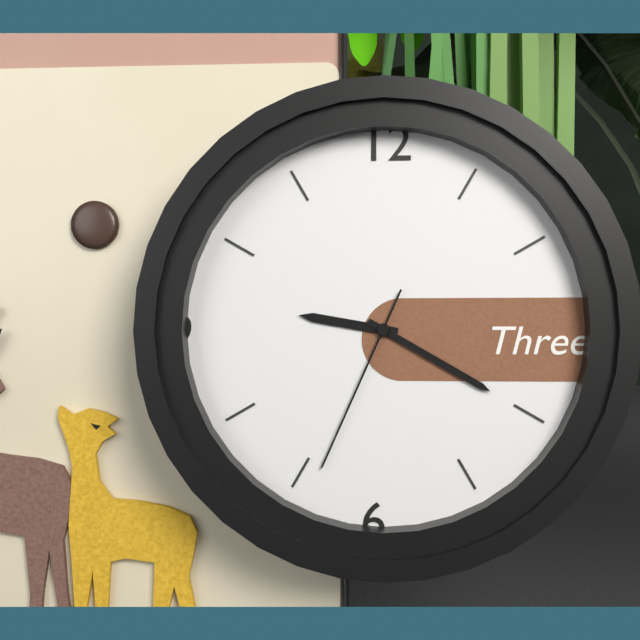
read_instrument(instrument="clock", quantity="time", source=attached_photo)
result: 9:20:34
